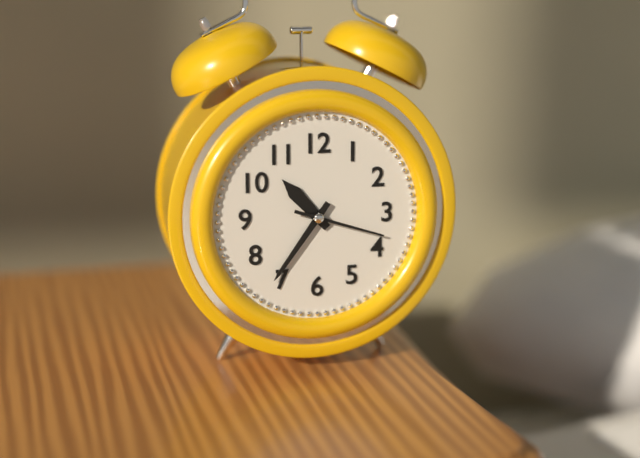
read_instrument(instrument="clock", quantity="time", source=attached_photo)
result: 10:36:18
